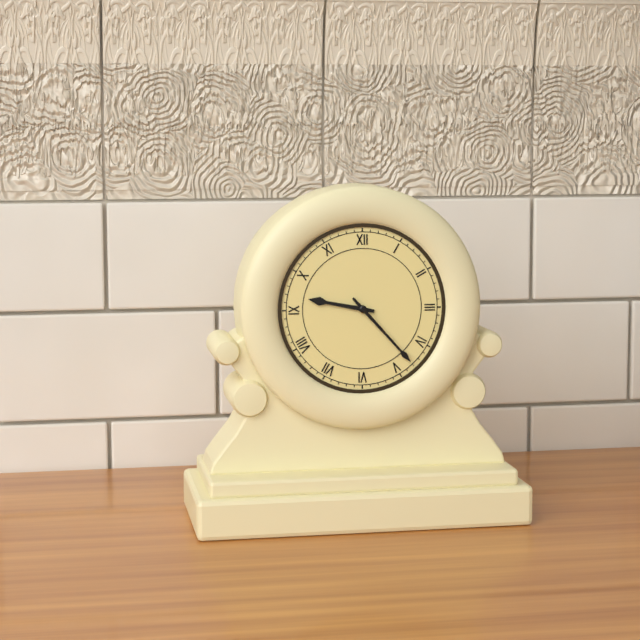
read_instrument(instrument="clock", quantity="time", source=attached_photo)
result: 9:23
